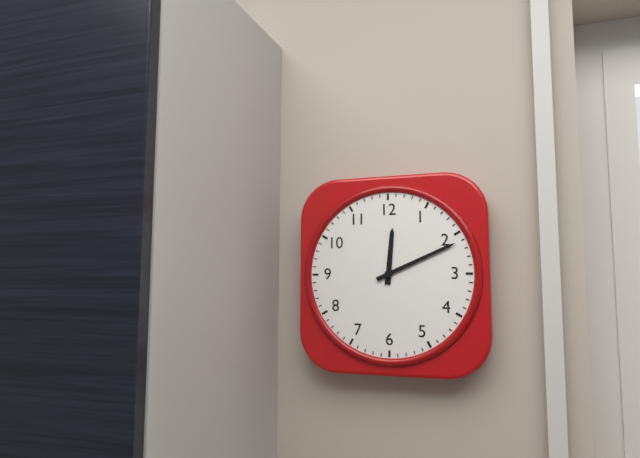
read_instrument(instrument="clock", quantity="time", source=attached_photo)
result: 12:11
